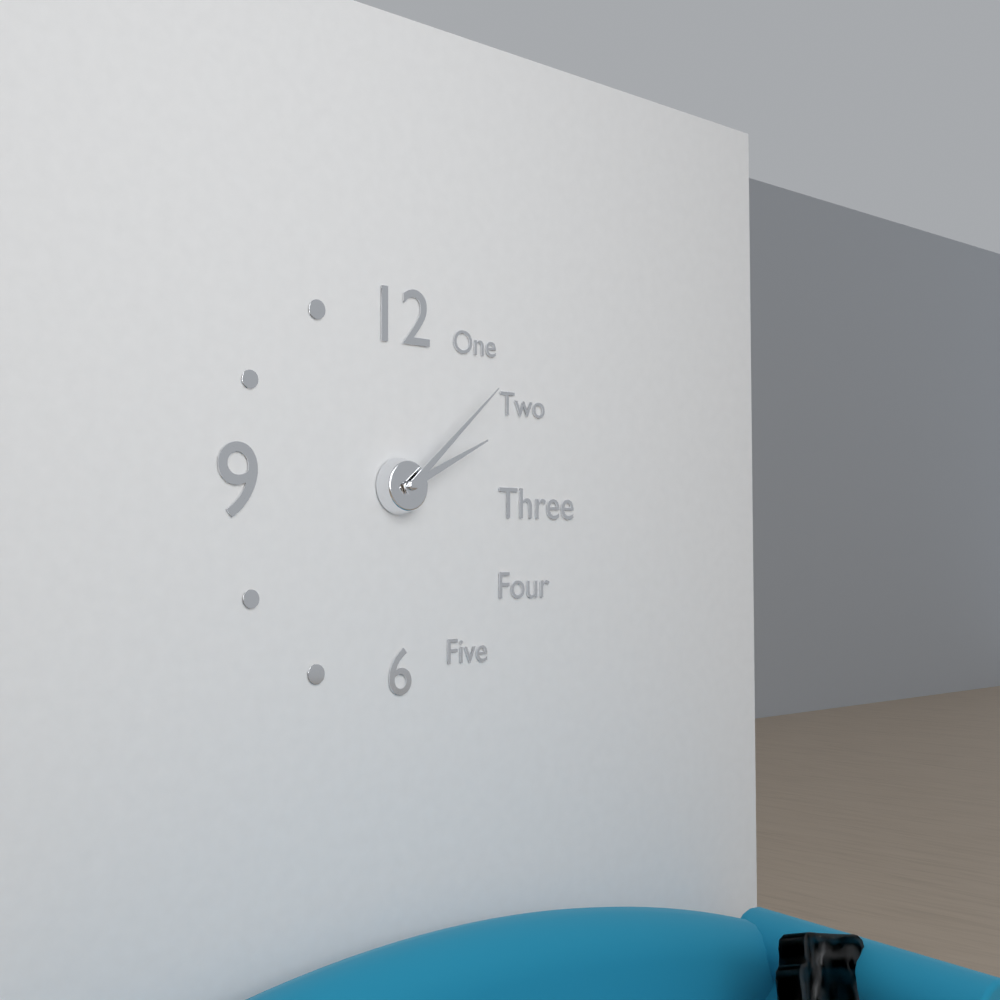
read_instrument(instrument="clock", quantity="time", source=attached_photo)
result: 2:08
